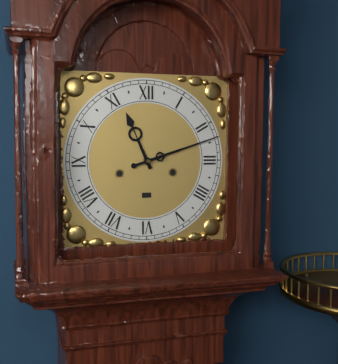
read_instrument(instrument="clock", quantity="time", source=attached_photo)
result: 11:12
